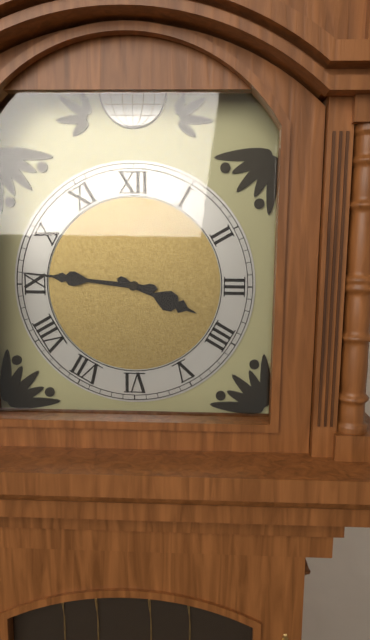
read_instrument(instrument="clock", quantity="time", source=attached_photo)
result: 3:46
